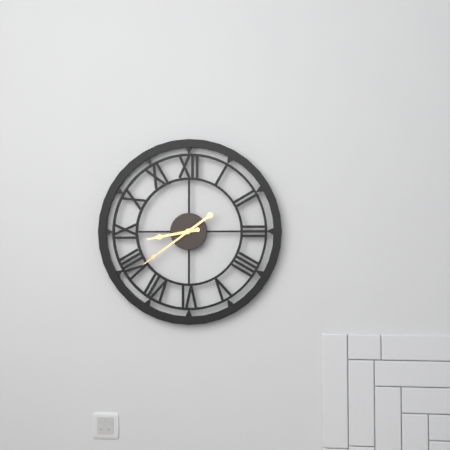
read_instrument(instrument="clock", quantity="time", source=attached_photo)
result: 8:39
